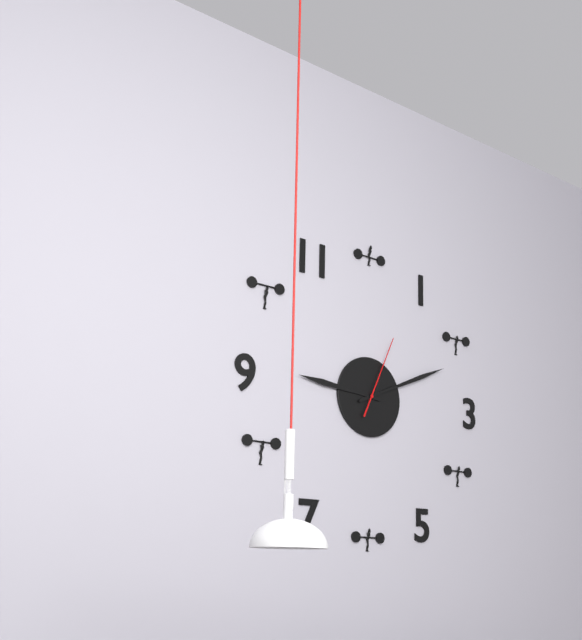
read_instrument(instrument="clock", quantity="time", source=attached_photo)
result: 9:11:04
